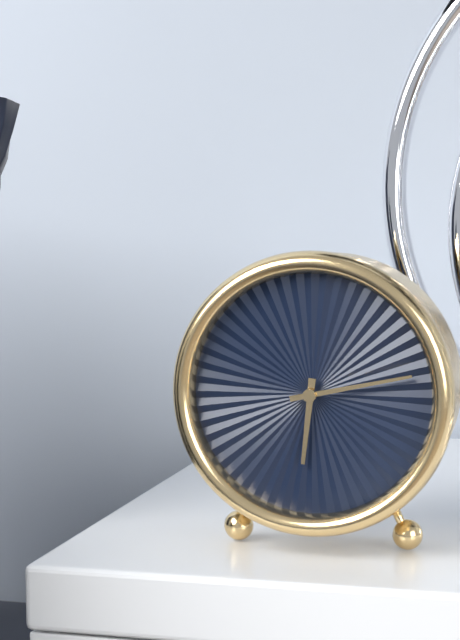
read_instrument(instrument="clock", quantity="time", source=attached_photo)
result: 6:13
